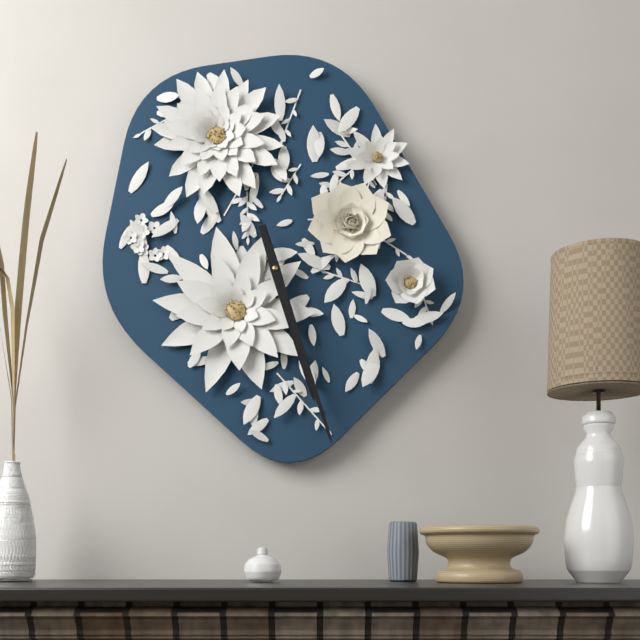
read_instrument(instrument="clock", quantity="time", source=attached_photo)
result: 5:27
